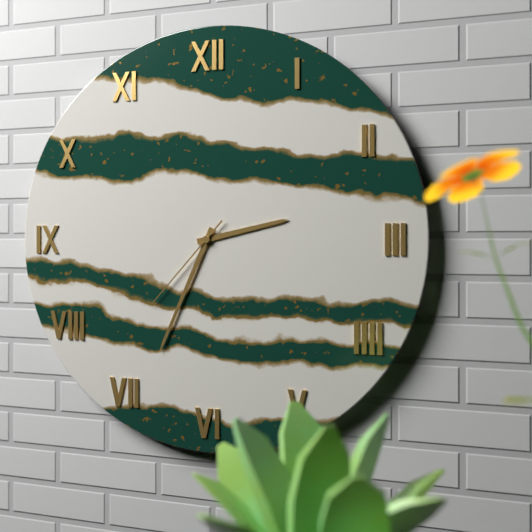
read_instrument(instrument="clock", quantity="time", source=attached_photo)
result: 2:34:37
